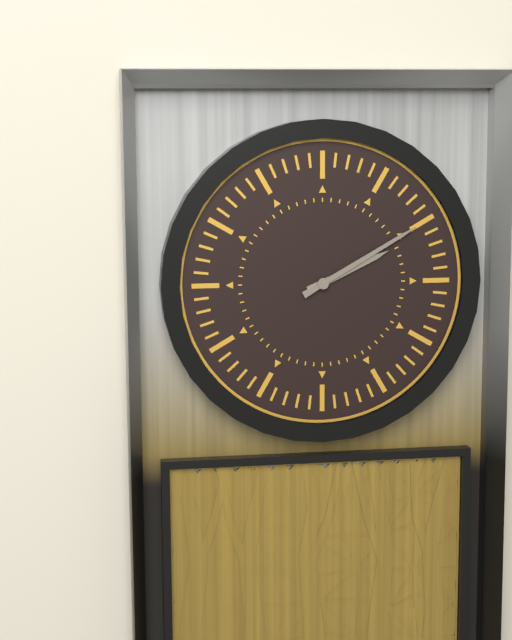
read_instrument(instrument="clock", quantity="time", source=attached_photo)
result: 2:10
